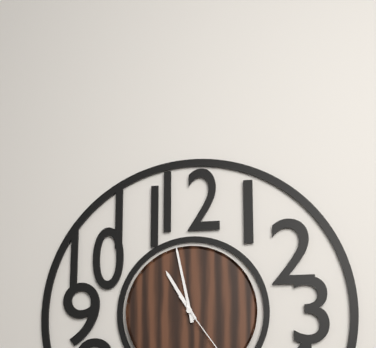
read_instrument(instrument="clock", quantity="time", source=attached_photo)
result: 10:58
